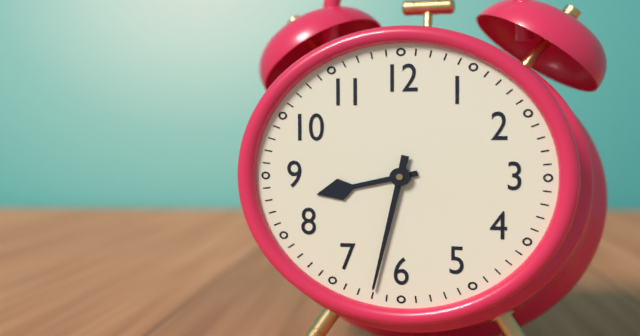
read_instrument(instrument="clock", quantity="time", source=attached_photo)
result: 8:32
